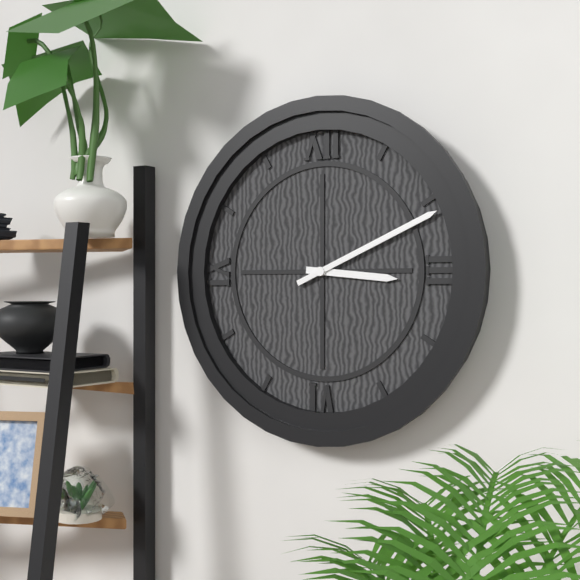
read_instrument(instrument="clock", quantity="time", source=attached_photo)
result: 3:11
